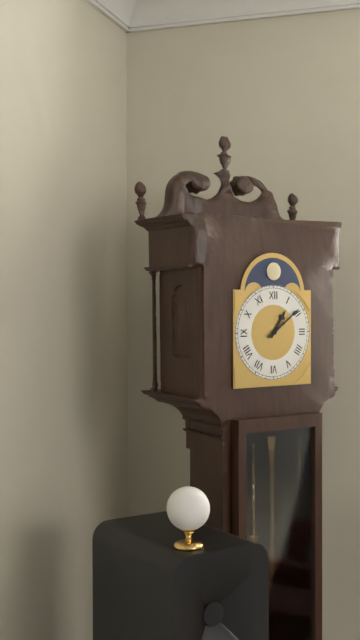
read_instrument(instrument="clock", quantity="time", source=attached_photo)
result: 1:09
